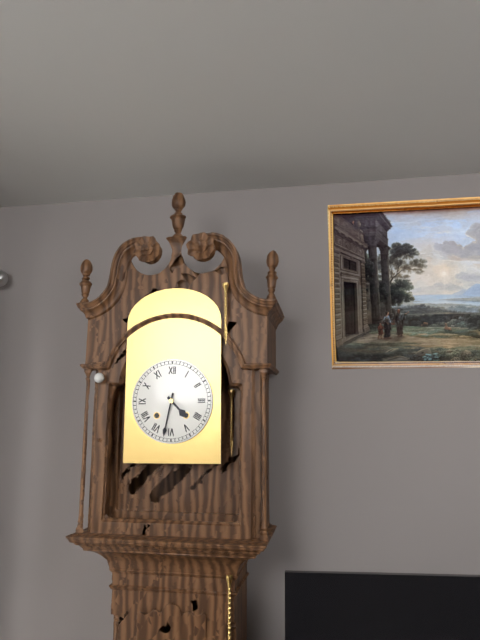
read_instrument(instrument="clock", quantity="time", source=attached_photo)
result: 4:32
